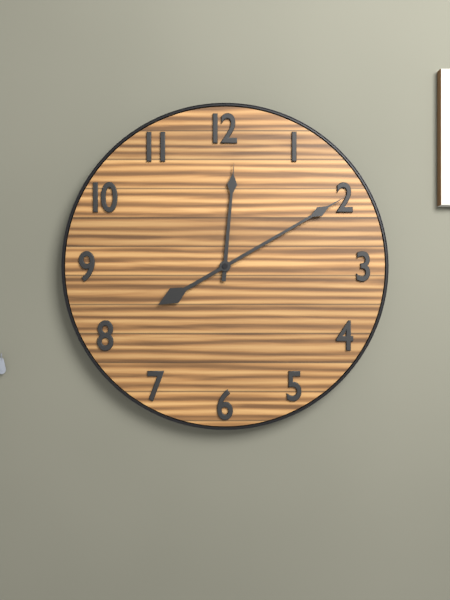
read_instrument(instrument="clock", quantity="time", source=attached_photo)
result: 12:10
